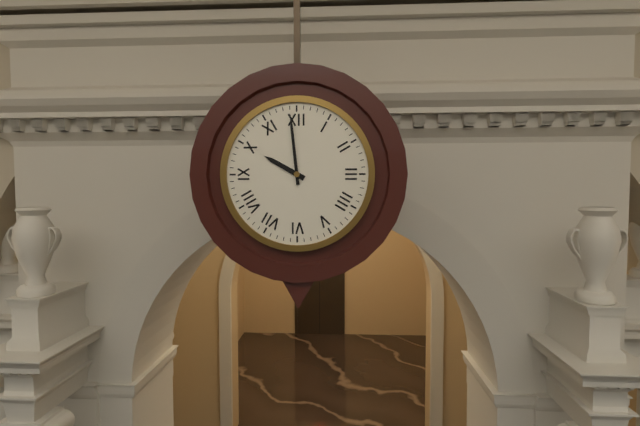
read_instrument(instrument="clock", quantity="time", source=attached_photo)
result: 9:59
